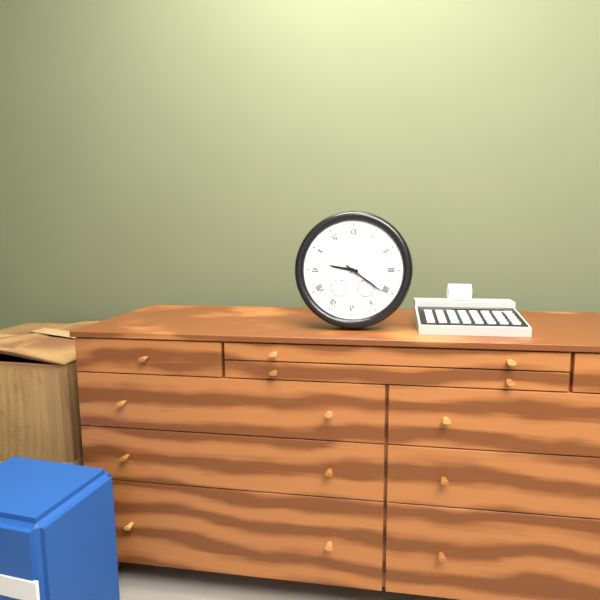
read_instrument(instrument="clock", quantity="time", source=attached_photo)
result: 9:21
